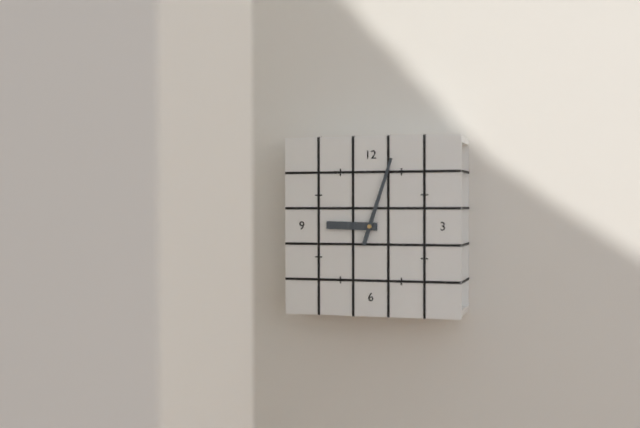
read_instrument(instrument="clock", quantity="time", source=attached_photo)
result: 9:03
